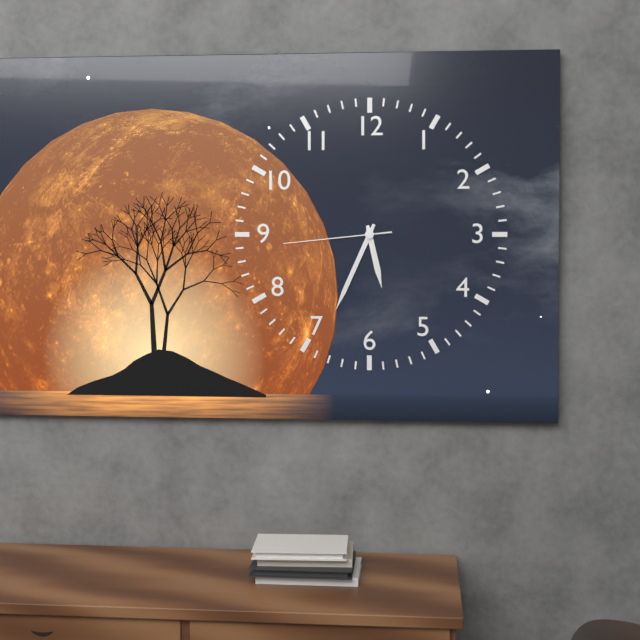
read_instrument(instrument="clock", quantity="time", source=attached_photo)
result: 5:34:44
